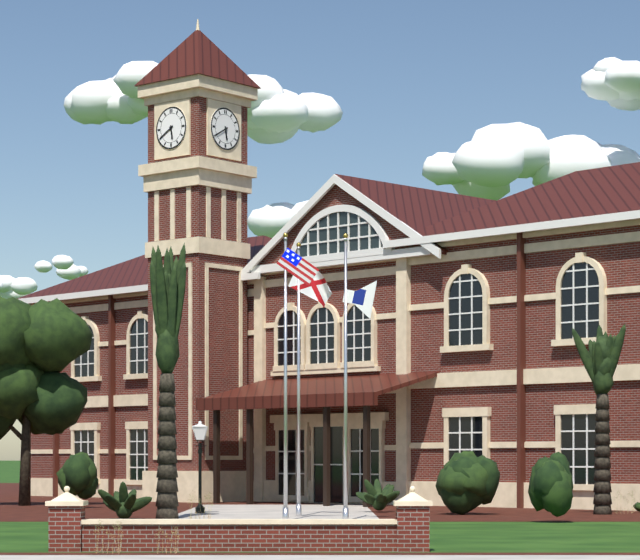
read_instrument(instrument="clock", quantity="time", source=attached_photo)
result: 5:40
